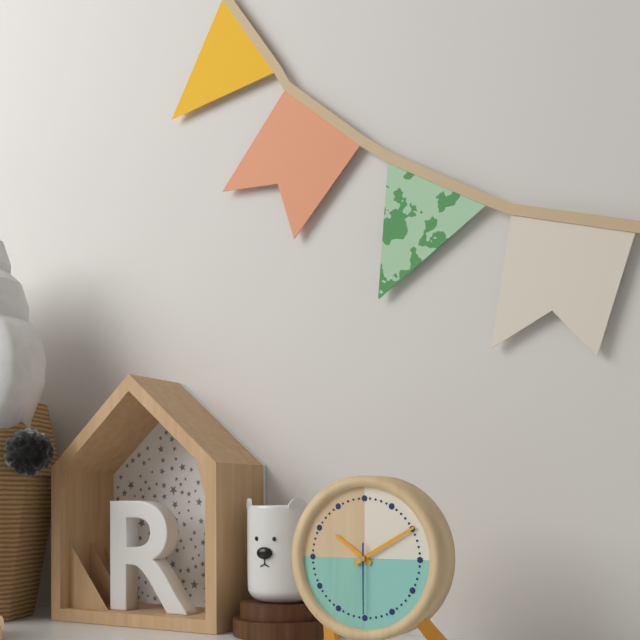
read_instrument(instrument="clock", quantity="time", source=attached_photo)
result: 10:10:30
